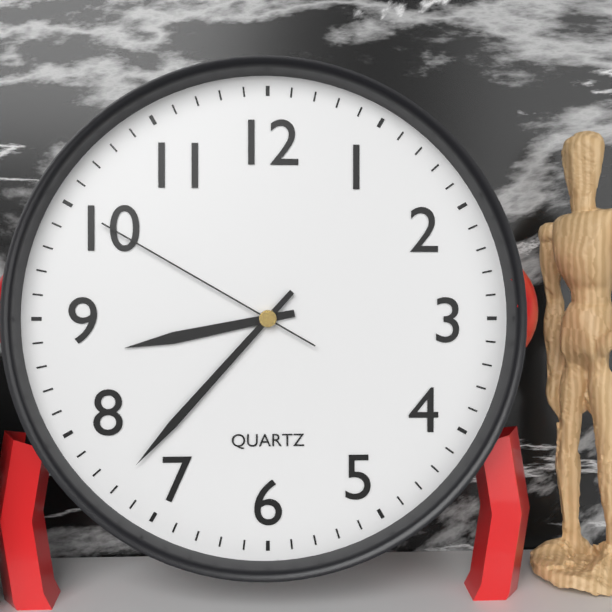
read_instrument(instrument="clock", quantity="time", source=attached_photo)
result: 8:37:50
